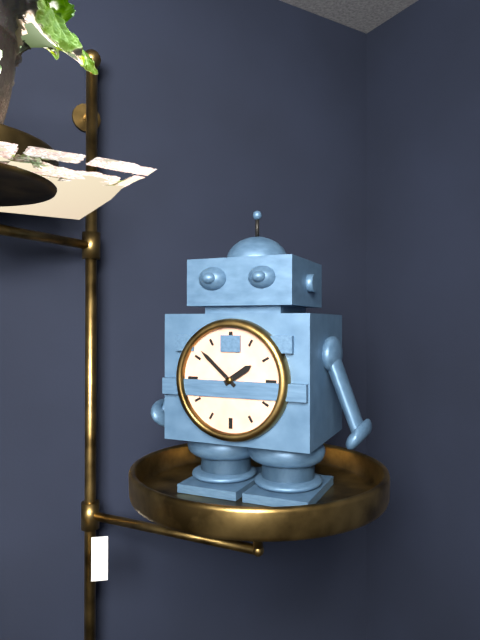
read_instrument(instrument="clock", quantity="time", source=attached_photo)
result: 1:52
